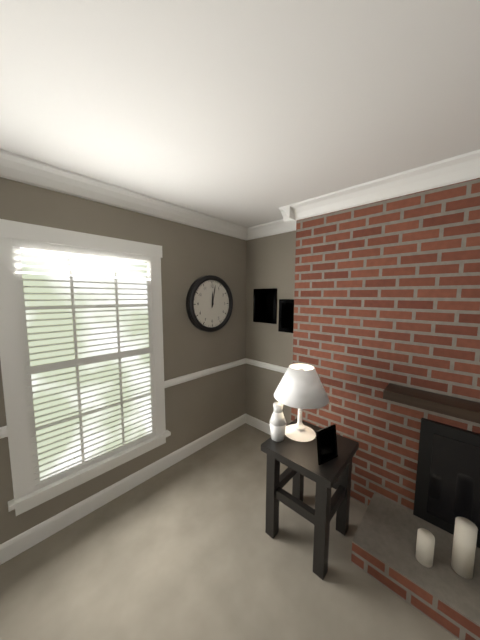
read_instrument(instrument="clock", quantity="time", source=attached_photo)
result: 12:02
